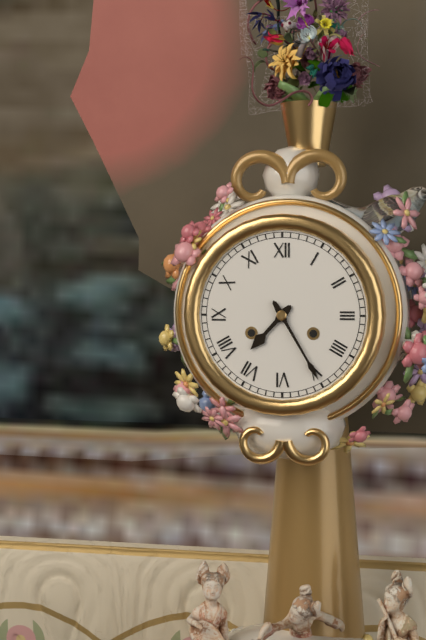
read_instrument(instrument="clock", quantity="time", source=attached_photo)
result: 7:25
